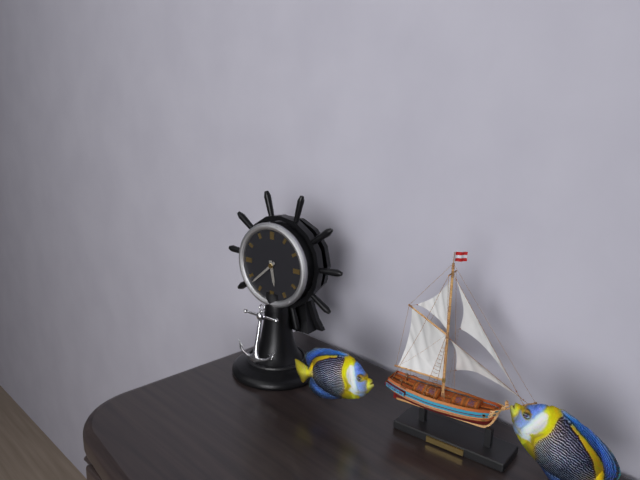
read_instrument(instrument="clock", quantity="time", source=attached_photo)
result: 5:38
